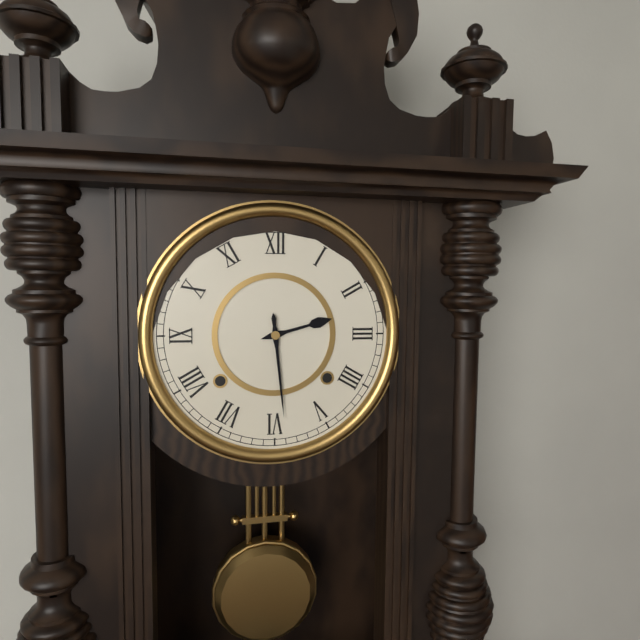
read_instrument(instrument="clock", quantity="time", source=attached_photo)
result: 2:29
